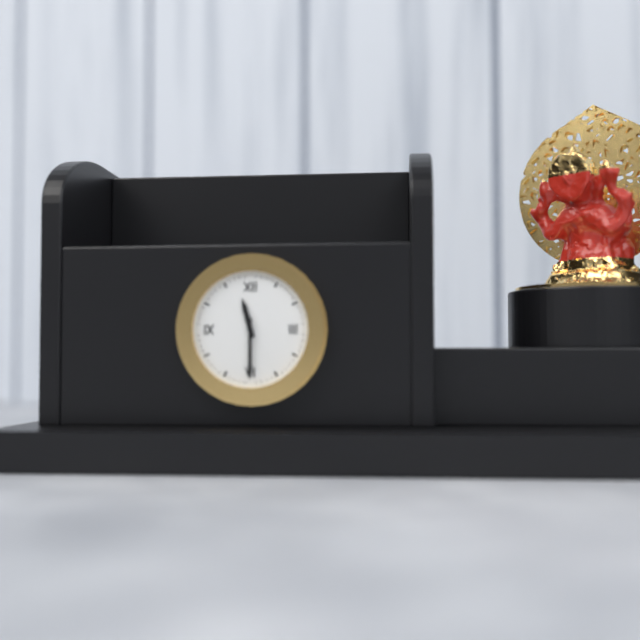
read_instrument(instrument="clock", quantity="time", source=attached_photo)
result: 11:30
